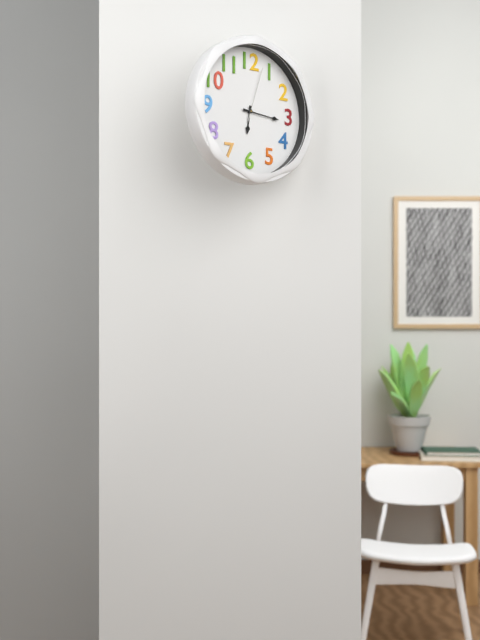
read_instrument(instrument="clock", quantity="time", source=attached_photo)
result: 6:16:03
